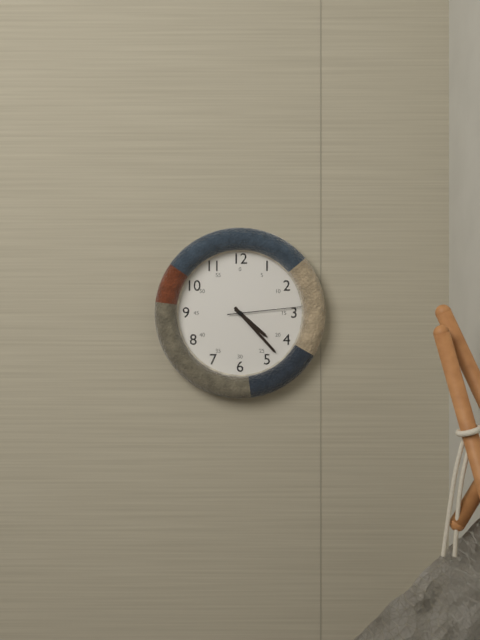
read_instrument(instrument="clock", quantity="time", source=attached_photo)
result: 4:23:14
